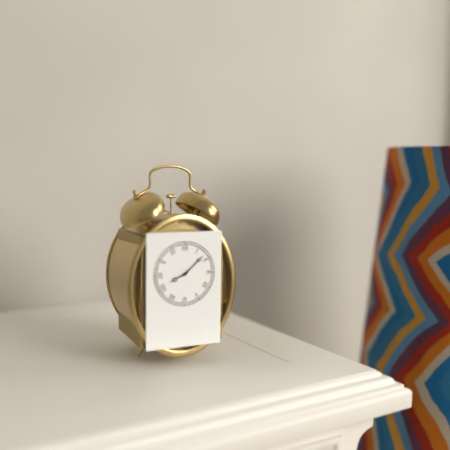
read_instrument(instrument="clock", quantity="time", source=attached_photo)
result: 8:08
